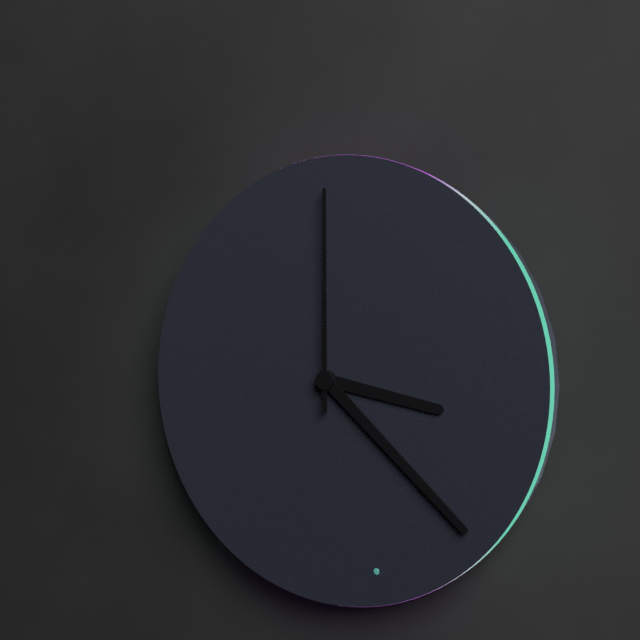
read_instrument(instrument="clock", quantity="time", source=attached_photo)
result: 3:22:00
